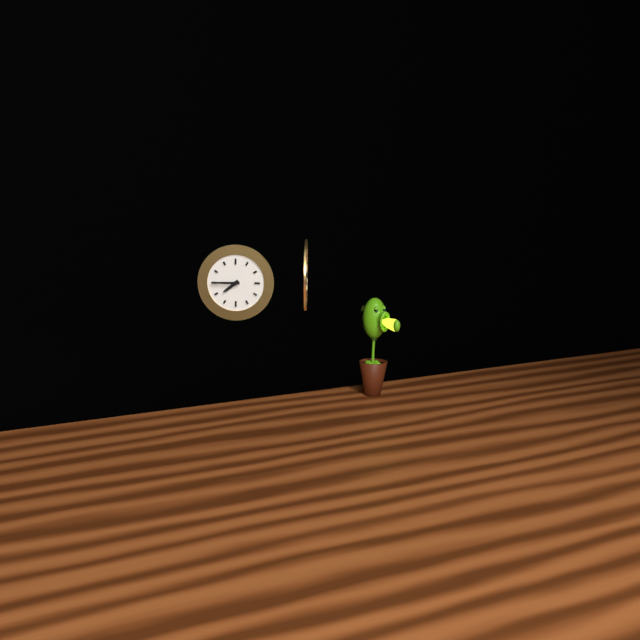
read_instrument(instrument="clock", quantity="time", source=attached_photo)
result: 7:45
